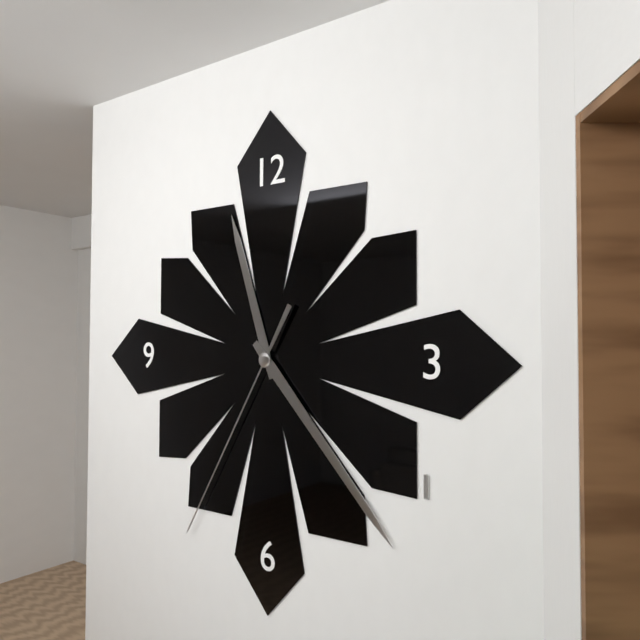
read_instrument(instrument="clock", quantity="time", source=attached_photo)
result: 11:23:35
